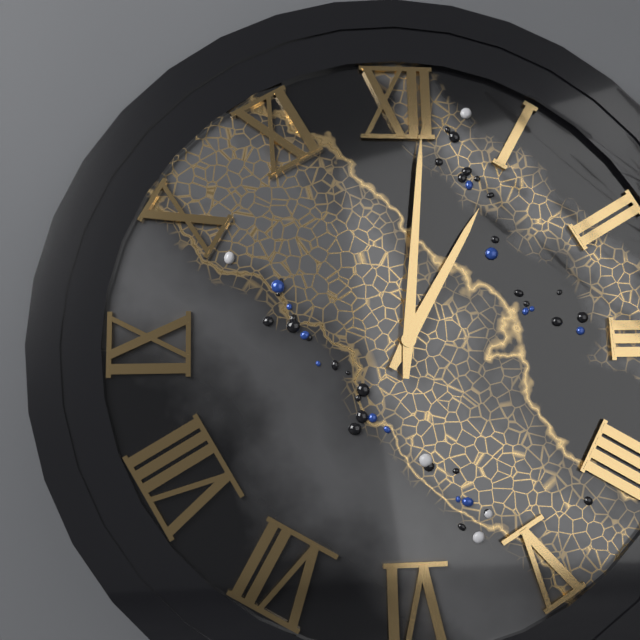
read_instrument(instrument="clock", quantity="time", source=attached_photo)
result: 1:01
